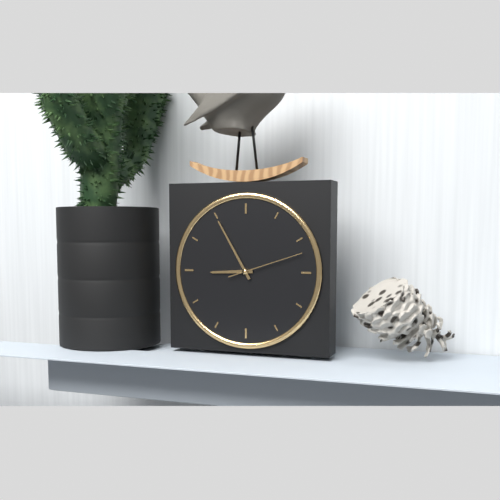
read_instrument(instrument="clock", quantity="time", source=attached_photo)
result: 8:55:12
